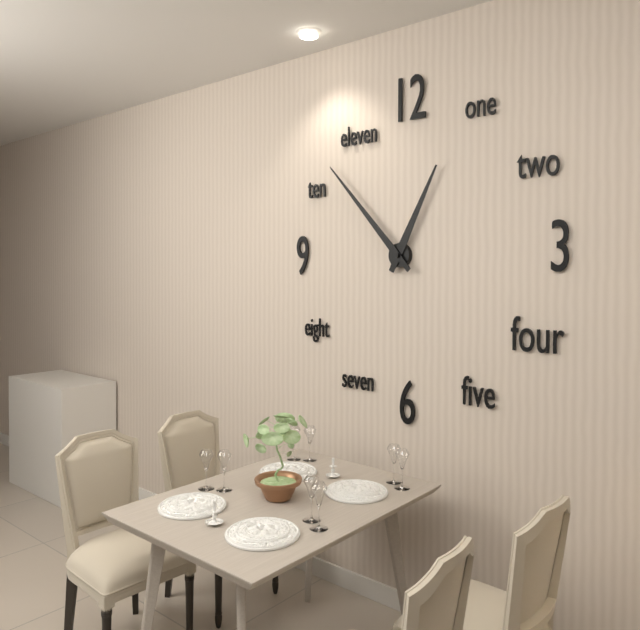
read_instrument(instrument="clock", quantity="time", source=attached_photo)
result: 12:53
